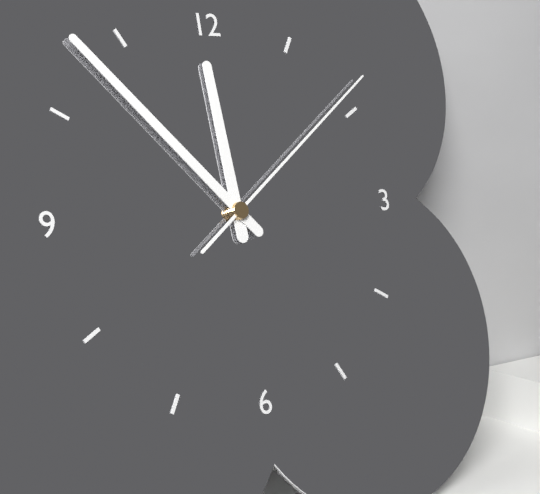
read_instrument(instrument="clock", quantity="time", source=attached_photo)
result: 11:53:09
